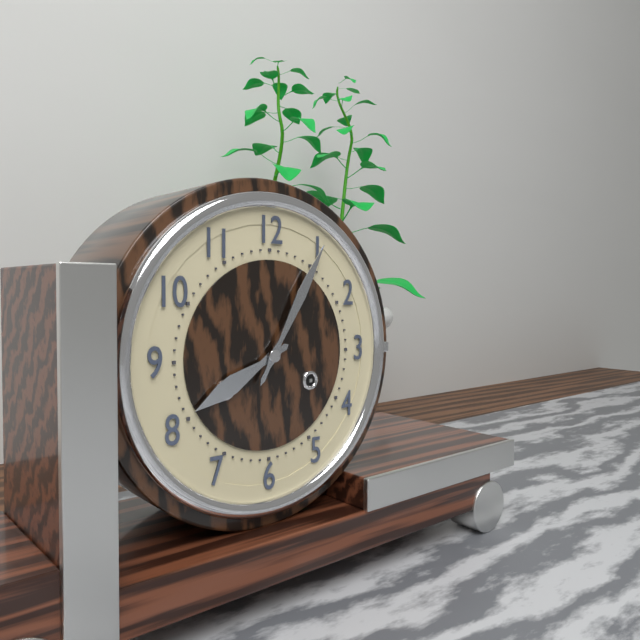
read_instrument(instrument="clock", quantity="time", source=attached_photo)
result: 8:05
